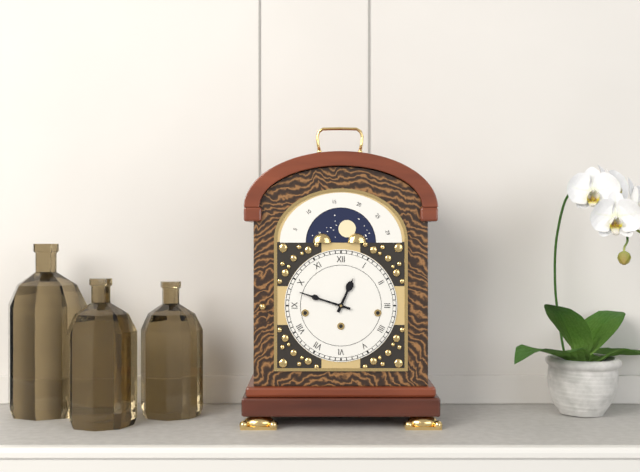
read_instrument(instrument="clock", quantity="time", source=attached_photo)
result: 12:48
